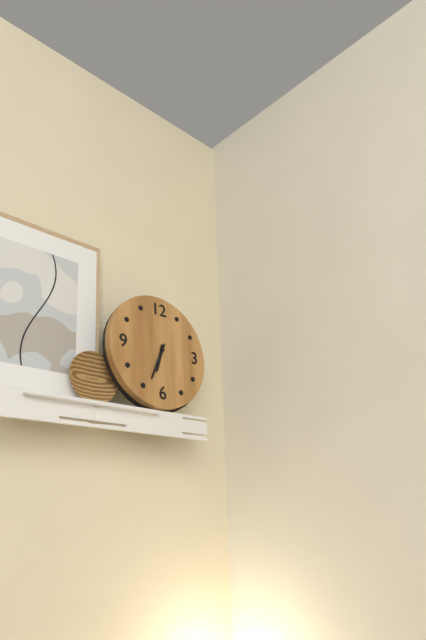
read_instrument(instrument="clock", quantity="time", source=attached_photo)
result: 6:34
